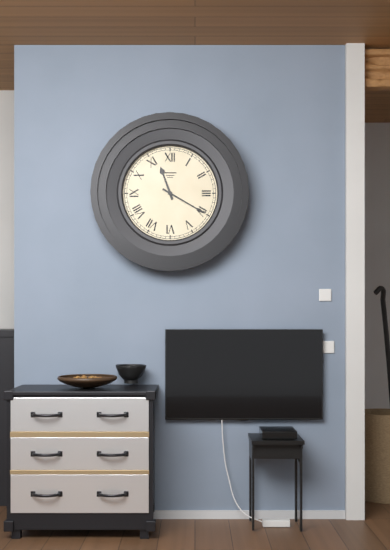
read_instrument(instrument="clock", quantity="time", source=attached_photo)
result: 11:20
